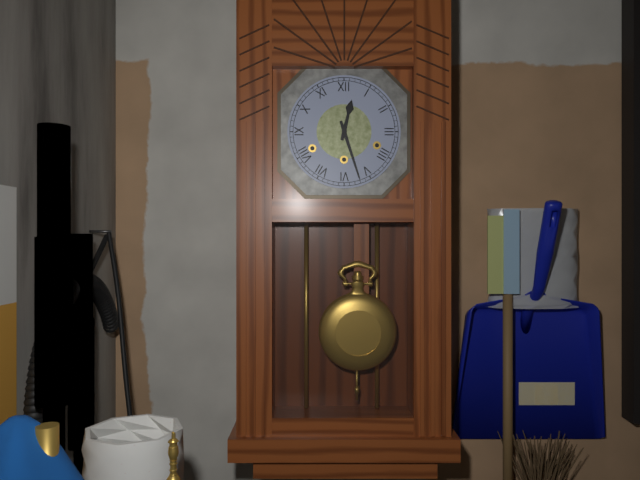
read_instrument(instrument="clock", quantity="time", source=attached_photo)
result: 12:27
